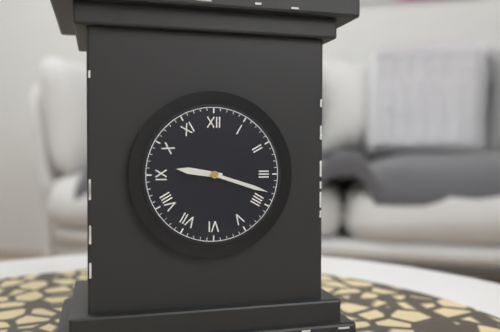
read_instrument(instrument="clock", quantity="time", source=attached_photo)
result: 9:18
